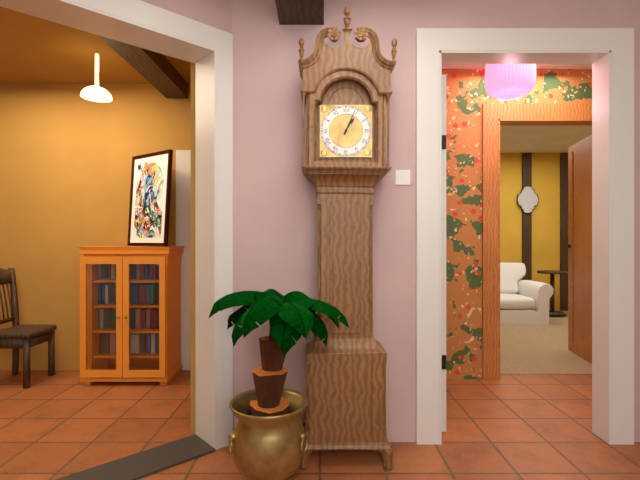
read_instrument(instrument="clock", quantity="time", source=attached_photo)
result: 1:04
